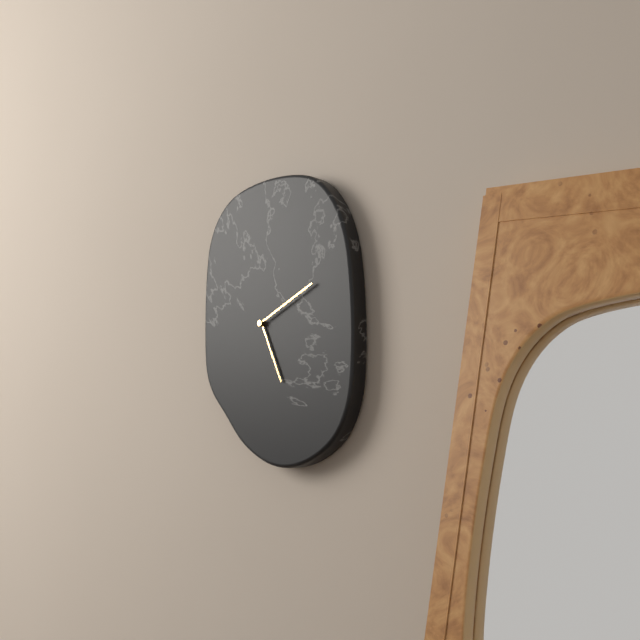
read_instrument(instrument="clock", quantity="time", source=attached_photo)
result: 5:11
